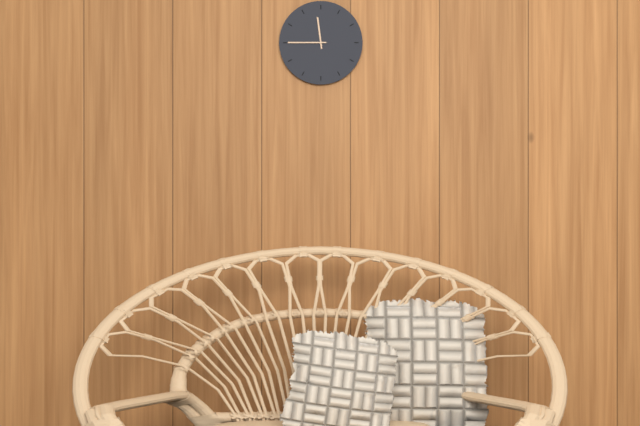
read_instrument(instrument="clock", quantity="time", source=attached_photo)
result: 11:45
